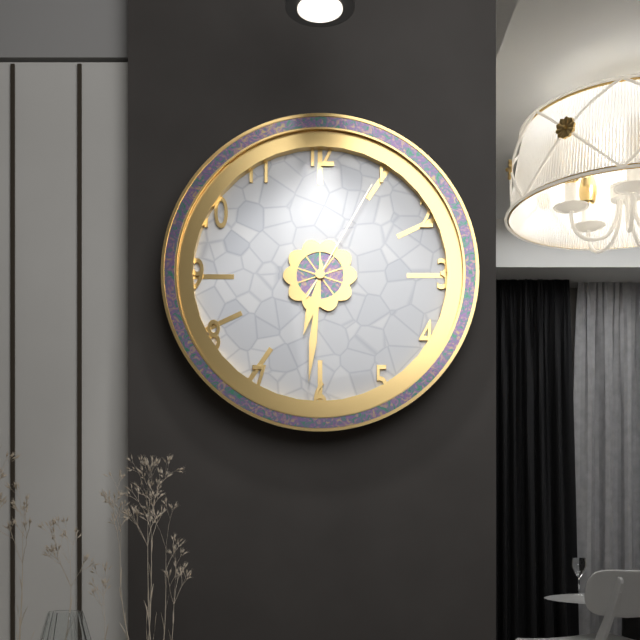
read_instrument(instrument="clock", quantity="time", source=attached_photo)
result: 6:31:05
